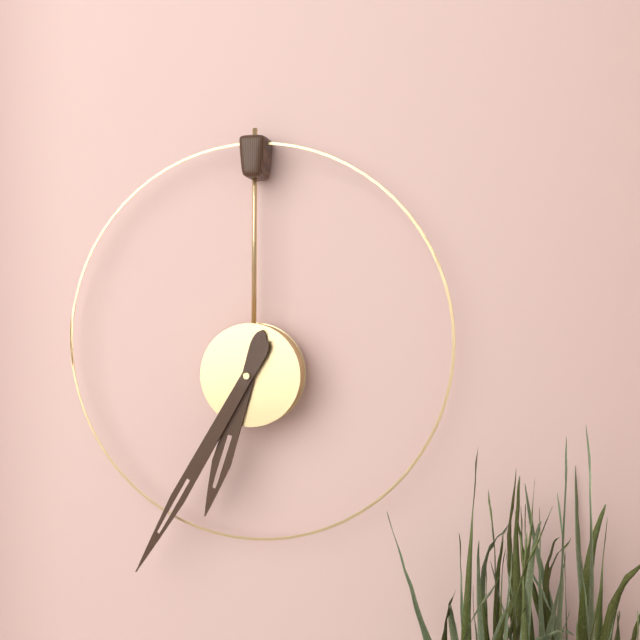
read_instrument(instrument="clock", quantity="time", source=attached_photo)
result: 6:35
